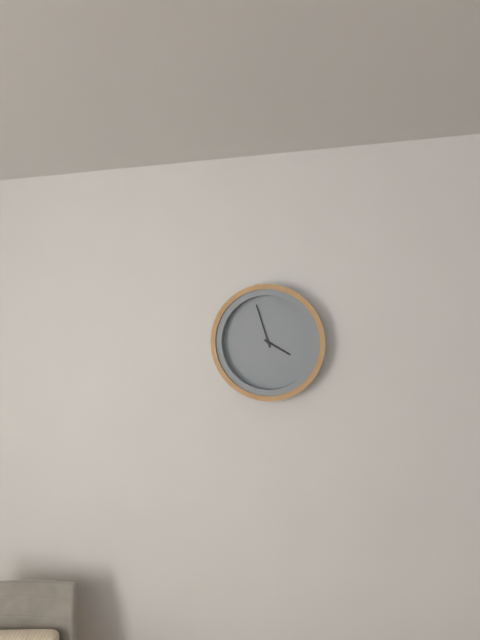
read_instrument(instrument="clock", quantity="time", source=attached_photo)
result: 3:57
